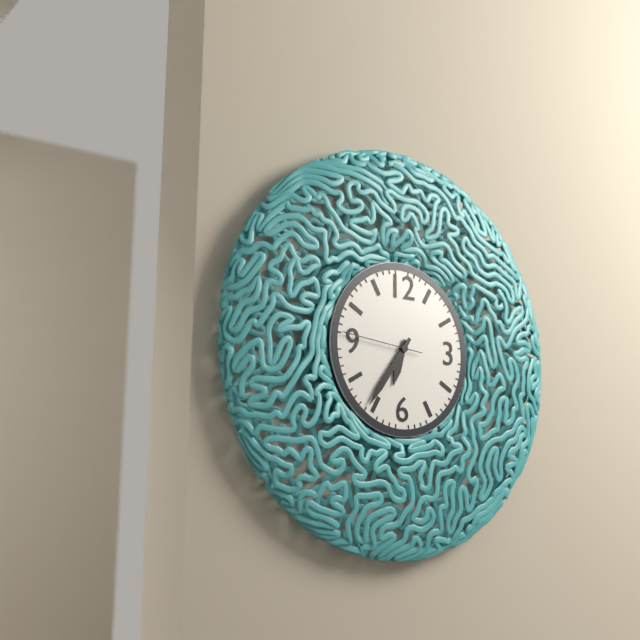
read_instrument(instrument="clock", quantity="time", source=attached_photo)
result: 6:36:46
